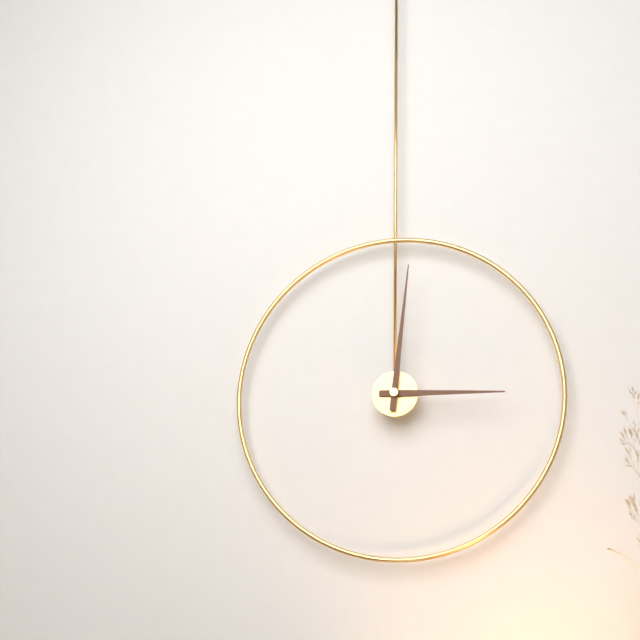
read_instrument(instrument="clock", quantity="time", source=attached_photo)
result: 3:01
